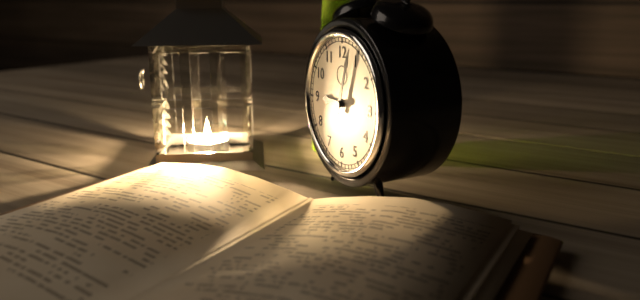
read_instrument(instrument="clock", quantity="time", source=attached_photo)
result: 9:03
